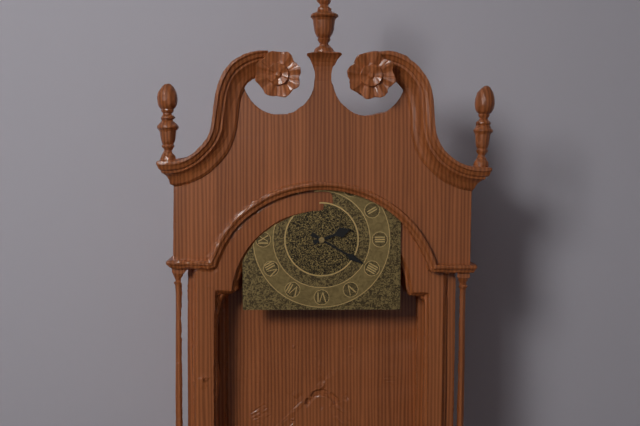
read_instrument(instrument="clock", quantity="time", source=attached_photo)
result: 2:20
